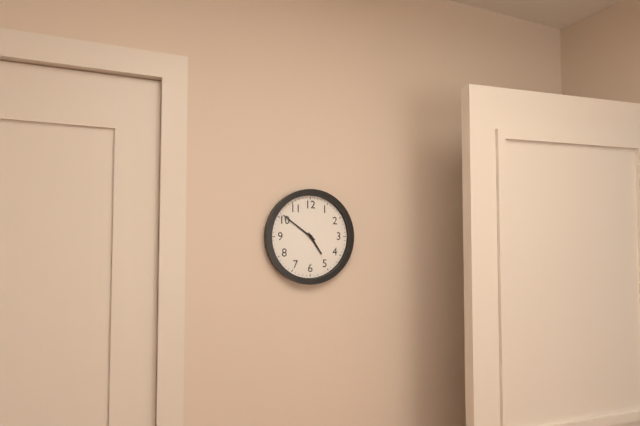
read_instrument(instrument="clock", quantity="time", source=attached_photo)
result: 4:51
